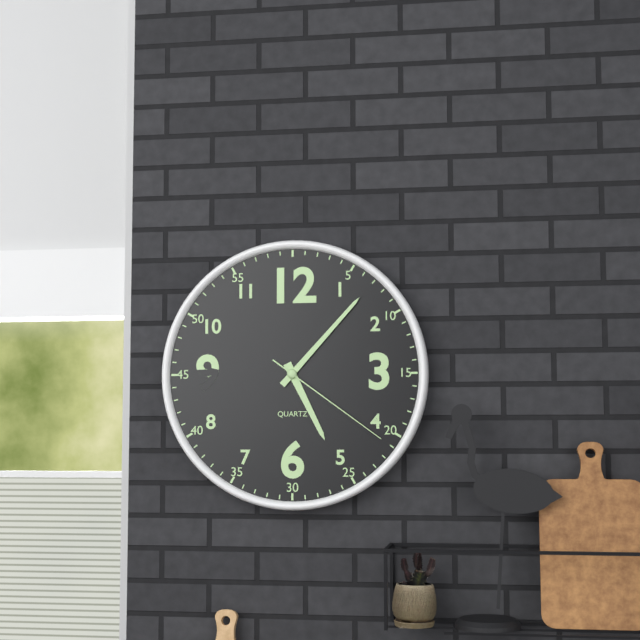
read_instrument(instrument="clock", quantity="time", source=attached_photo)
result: 5:07:21
